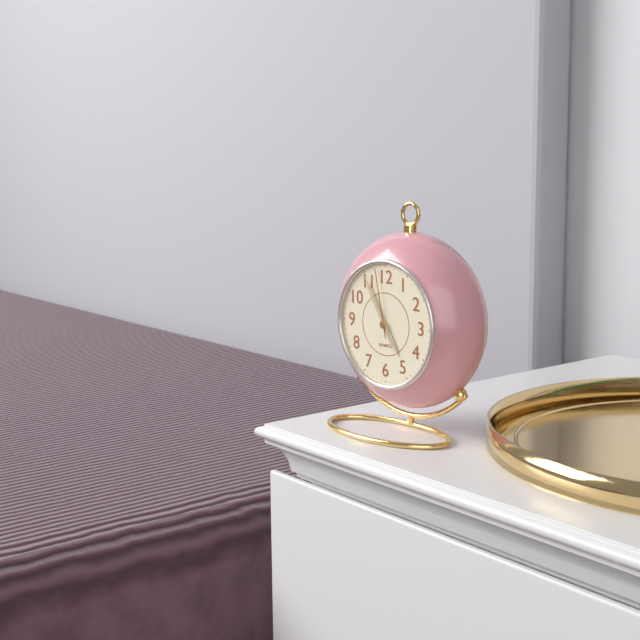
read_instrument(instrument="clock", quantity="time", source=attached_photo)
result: 4:55:58
